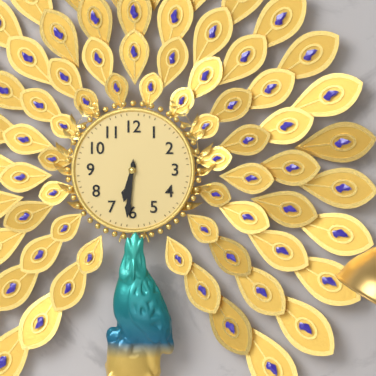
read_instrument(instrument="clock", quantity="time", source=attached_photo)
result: 6:31
